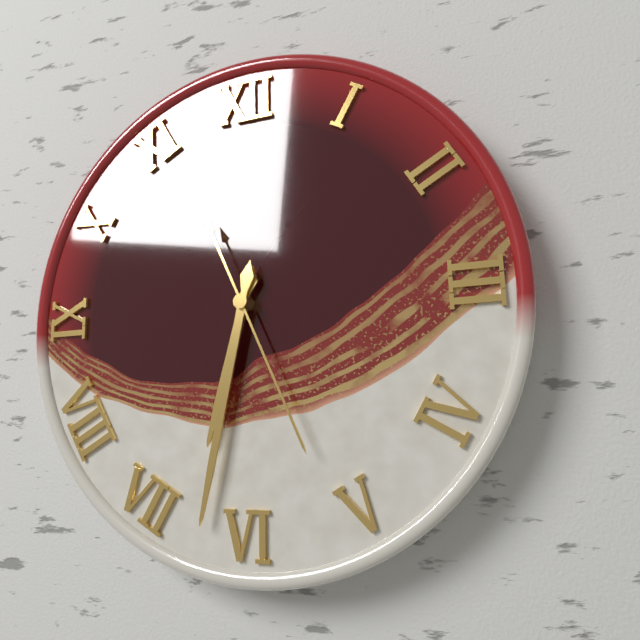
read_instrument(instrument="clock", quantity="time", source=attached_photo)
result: 6:32:26
